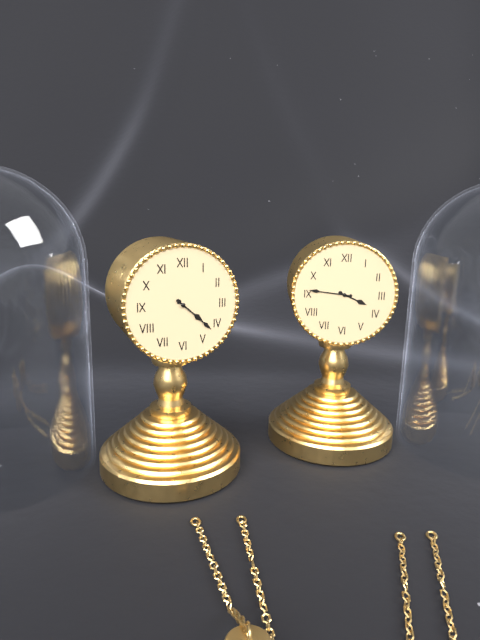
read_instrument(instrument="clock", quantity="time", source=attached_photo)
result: 4:22
